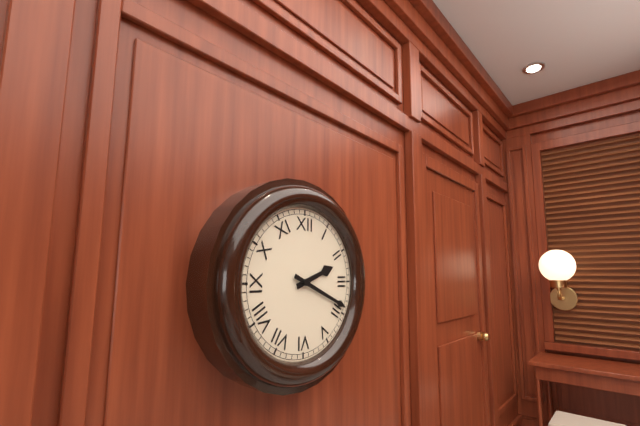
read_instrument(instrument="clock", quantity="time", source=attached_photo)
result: 2:19
